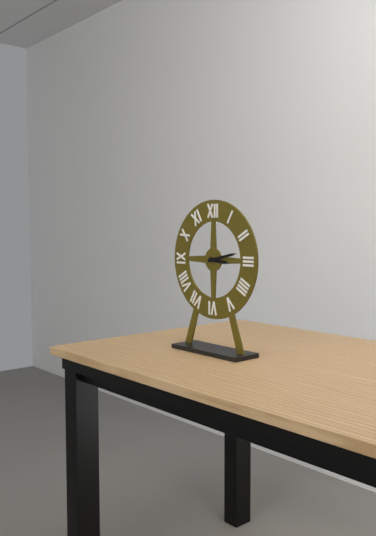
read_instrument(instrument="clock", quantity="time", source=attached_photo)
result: 3:13
